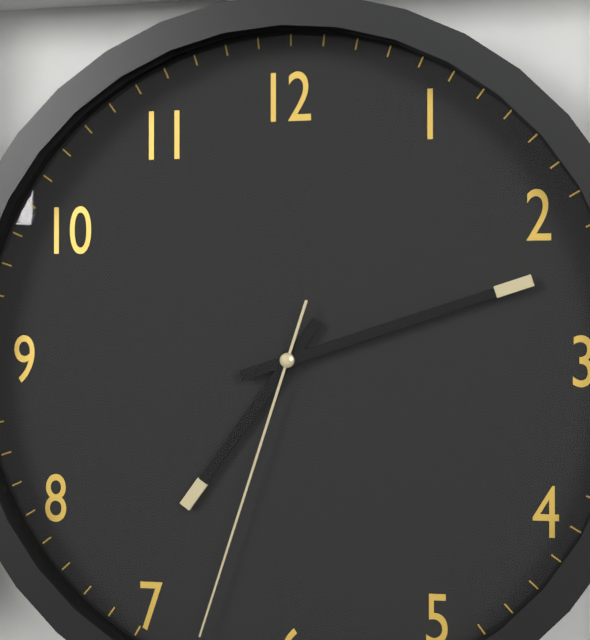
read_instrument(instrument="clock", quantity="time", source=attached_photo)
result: 7:12:33
